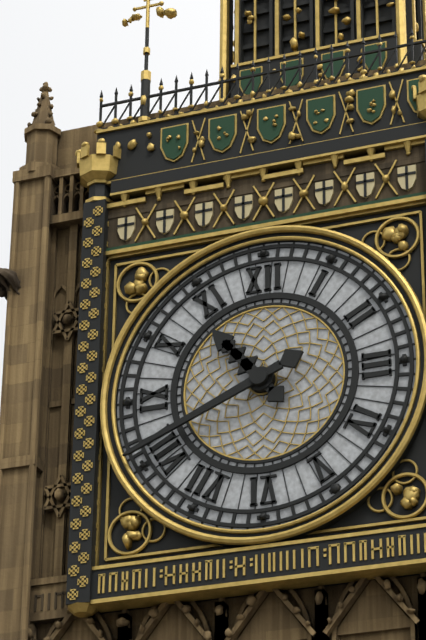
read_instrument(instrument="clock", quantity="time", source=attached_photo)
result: 10:41
